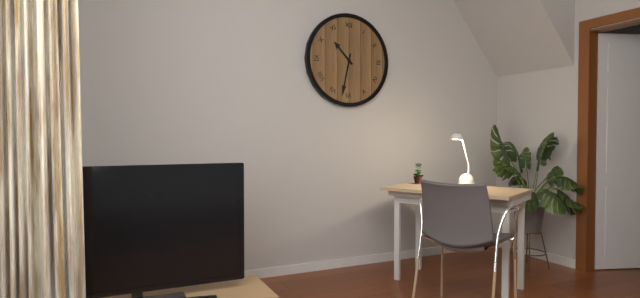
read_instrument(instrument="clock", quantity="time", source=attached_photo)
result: 10:32
